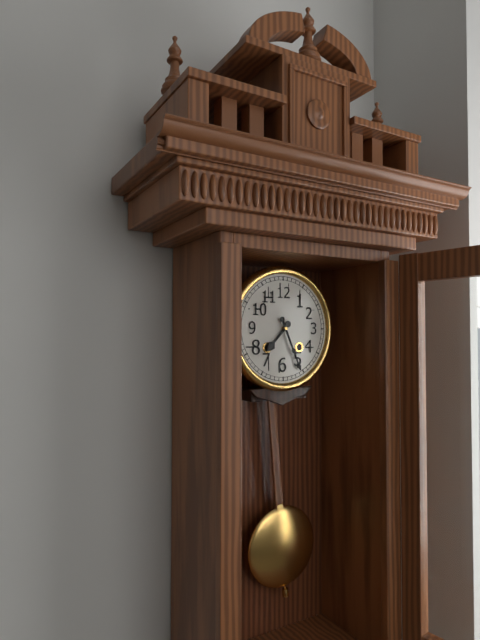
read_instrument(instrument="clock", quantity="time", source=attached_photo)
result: 7:26
